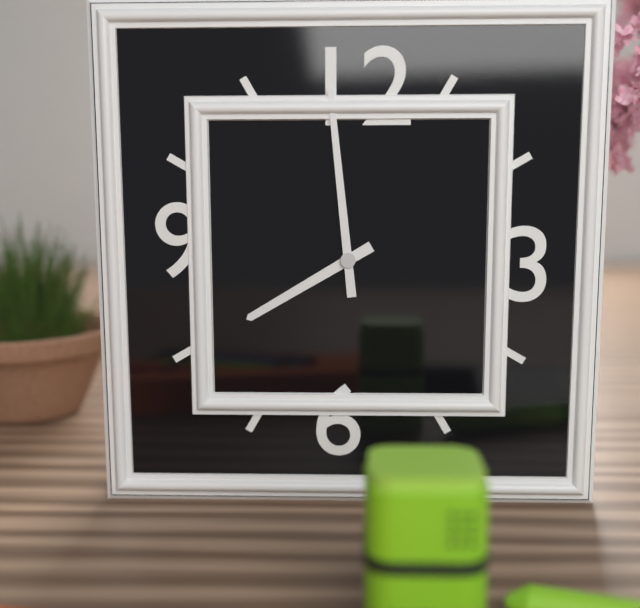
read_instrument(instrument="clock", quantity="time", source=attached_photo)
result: 7:59
